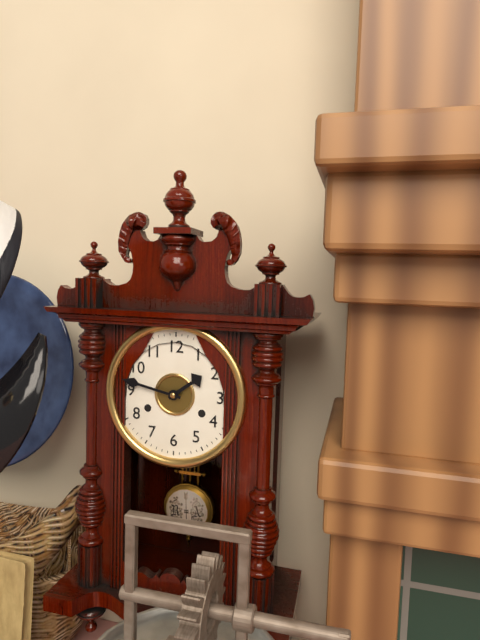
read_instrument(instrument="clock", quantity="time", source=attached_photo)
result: 1:47
